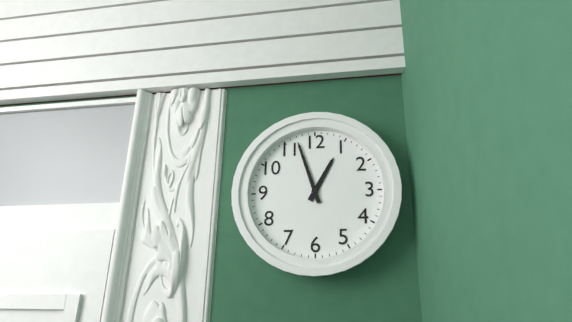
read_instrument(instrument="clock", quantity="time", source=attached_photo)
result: 12:57
